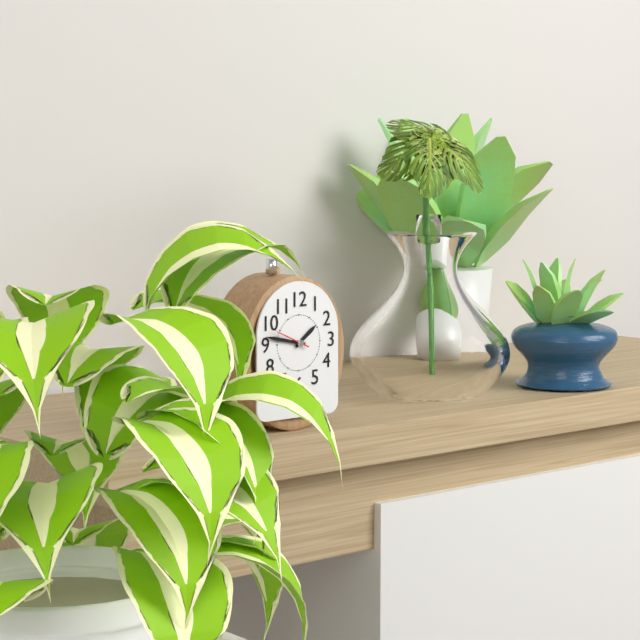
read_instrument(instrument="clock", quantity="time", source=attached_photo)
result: 1:47
